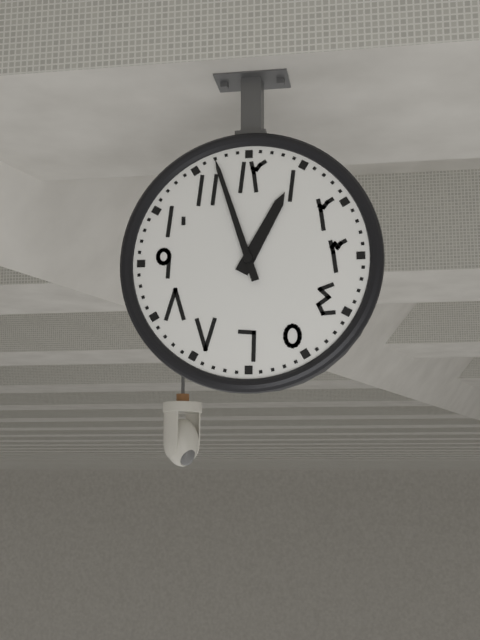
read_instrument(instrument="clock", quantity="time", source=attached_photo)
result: 12:57
